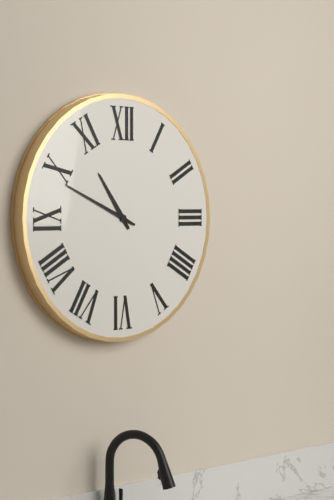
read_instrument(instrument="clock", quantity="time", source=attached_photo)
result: 10:49
